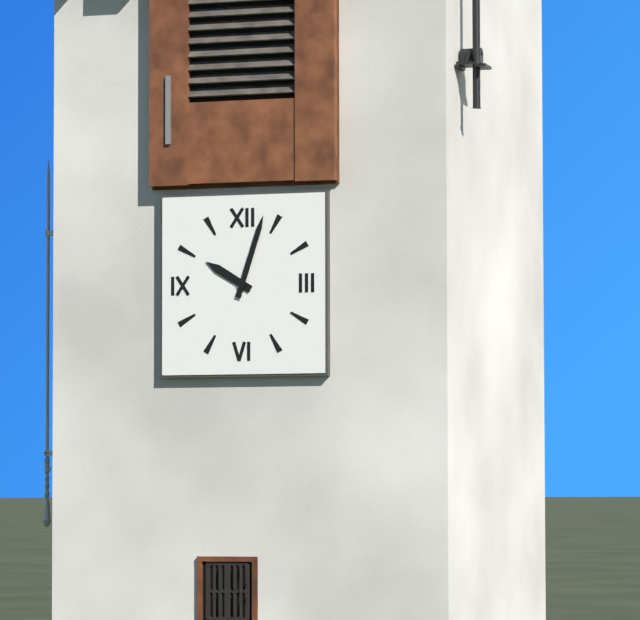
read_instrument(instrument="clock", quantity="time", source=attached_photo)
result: 10:03
